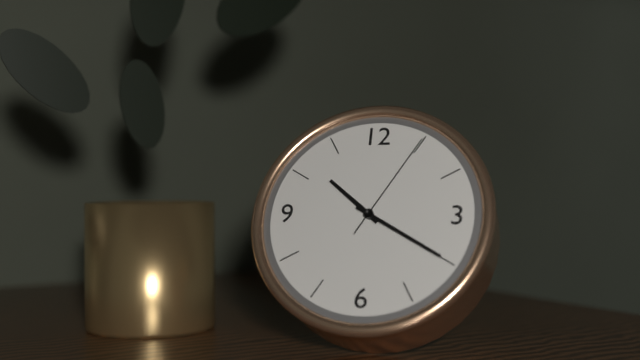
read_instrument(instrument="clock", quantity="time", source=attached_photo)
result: 10:20:05
